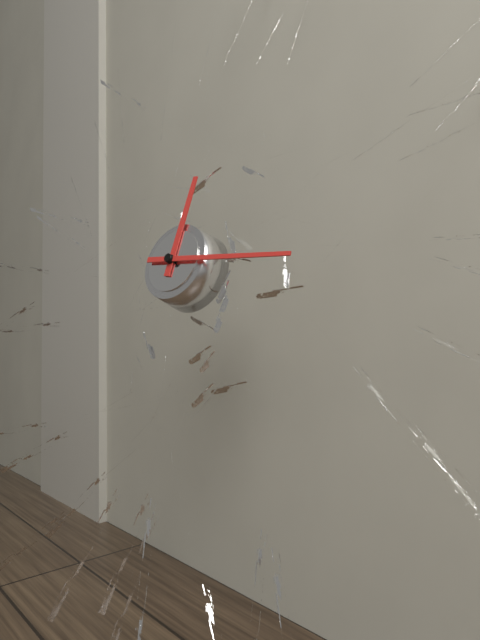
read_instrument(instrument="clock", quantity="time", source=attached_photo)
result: 12:16
